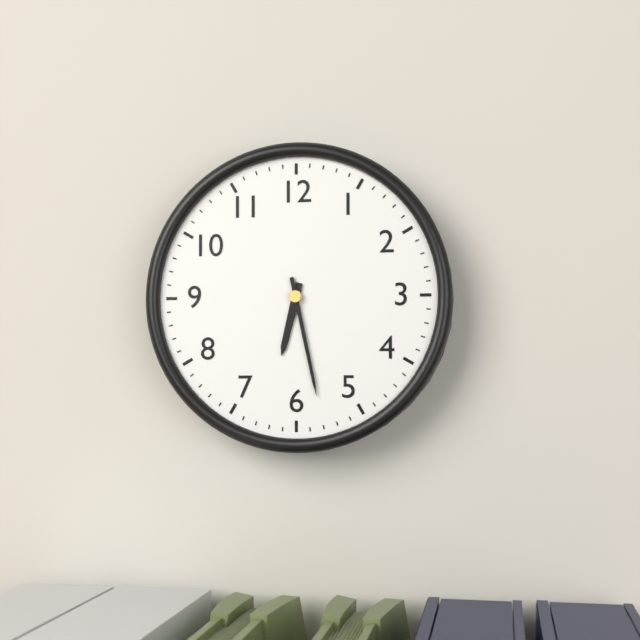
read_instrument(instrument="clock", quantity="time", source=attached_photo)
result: 6:28
